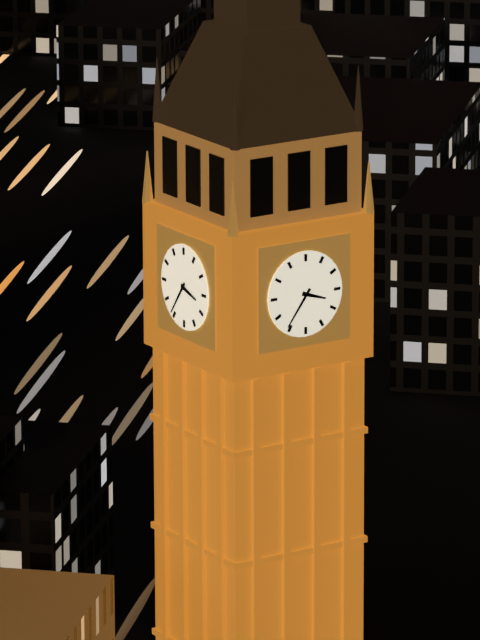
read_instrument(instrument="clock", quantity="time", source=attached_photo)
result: 3:36
